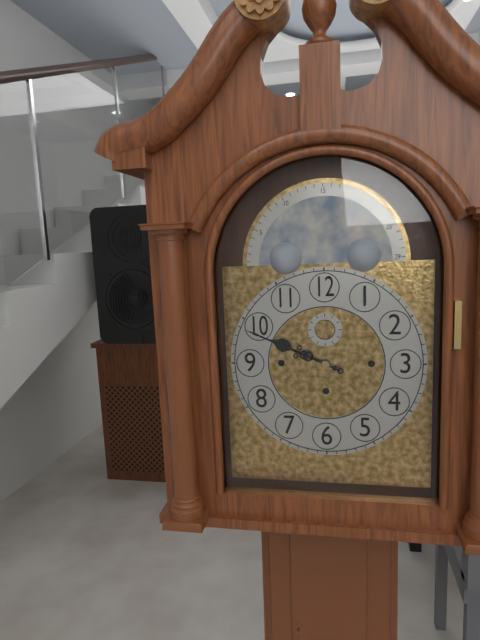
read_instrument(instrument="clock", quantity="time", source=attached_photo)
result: 9:49
